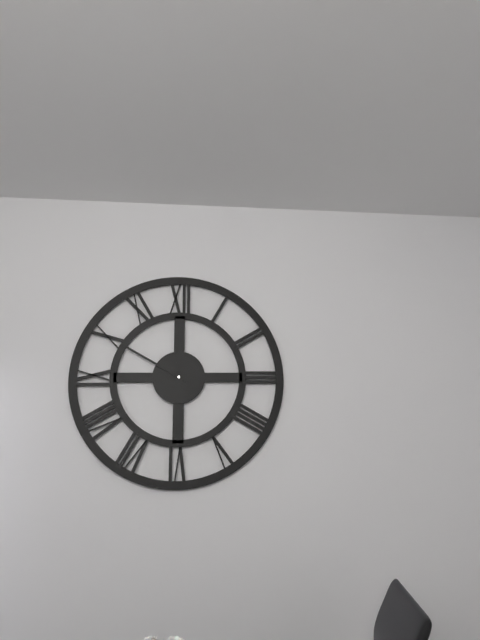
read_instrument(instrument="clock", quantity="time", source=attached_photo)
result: 11:50
